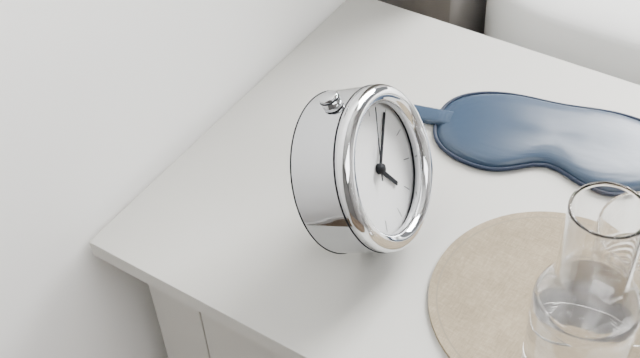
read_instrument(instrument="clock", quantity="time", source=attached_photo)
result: 5:09:06
